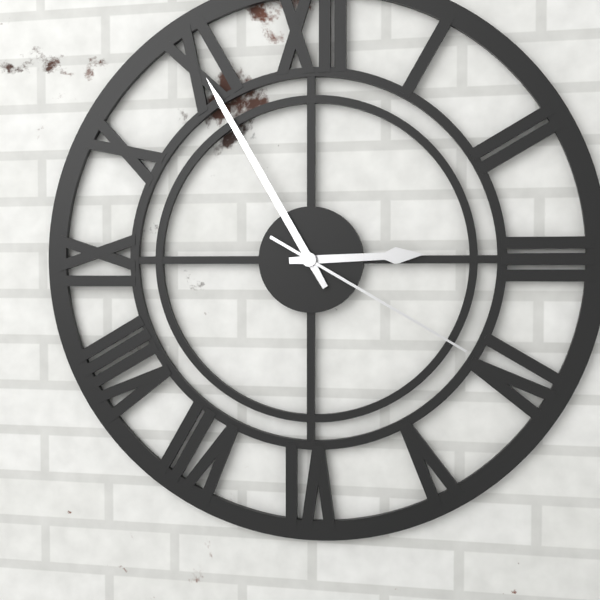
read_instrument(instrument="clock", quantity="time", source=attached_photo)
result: 2:55:20
